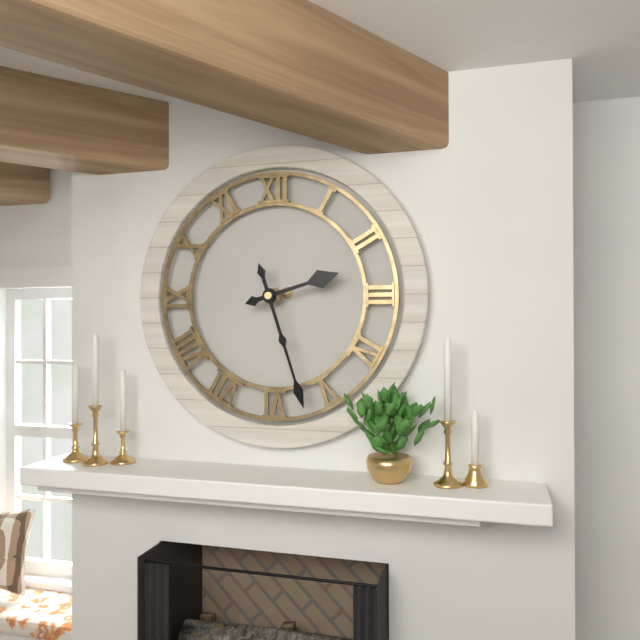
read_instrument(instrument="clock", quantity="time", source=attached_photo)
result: 2:27
